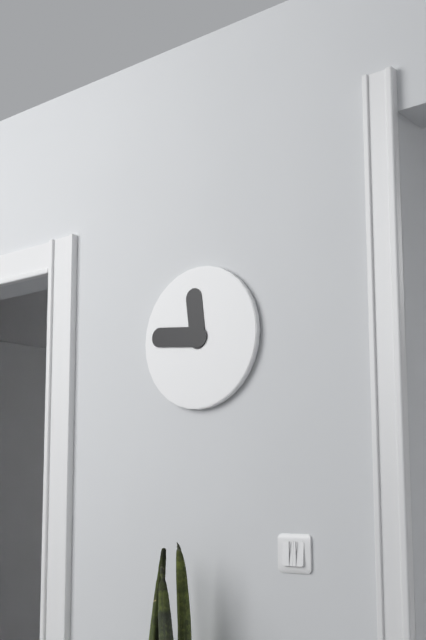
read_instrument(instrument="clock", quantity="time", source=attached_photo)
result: 11:46
